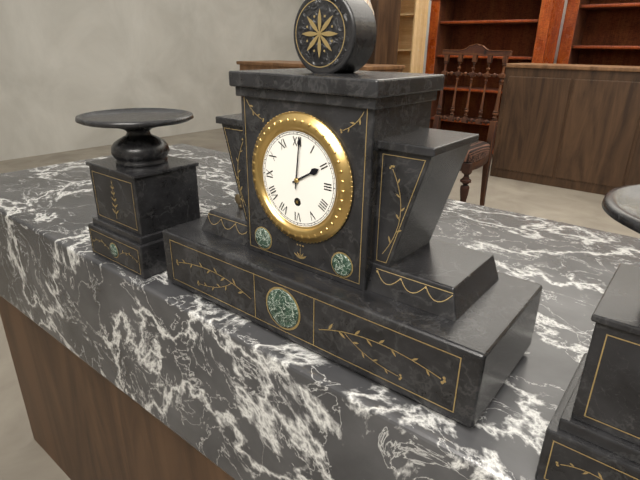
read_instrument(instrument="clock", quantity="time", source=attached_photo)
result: 2:01
